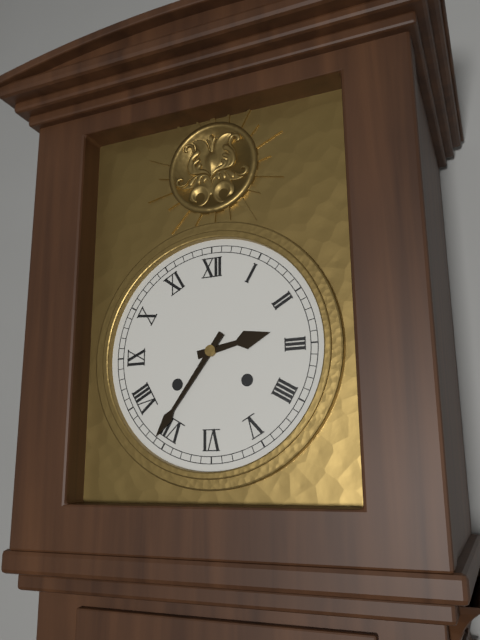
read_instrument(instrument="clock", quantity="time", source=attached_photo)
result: 2:36
